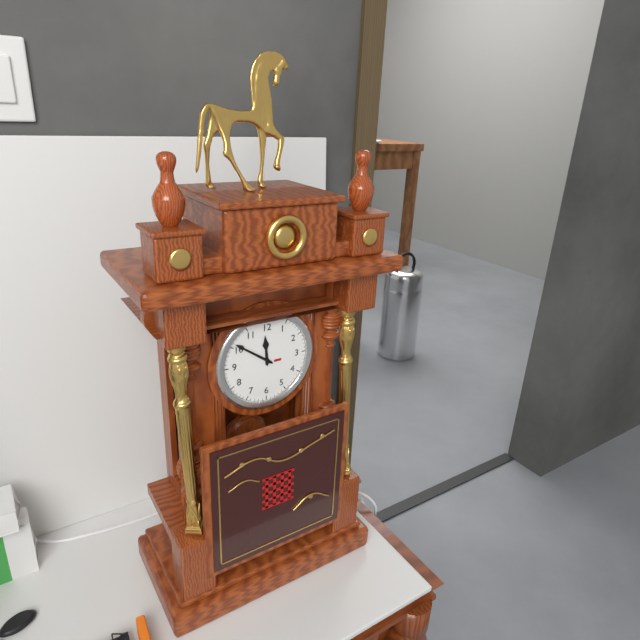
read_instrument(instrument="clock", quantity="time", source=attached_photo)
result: 11:51
